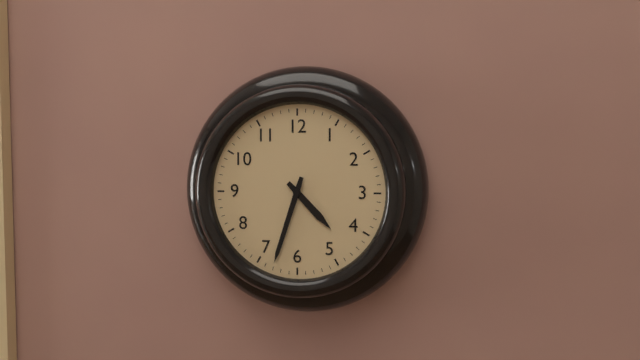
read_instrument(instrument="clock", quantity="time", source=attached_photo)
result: 4:33
